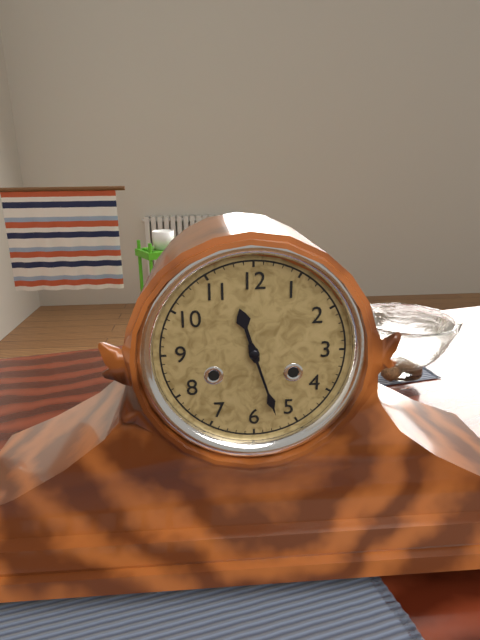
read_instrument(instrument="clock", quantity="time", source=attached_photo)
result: 11:27
